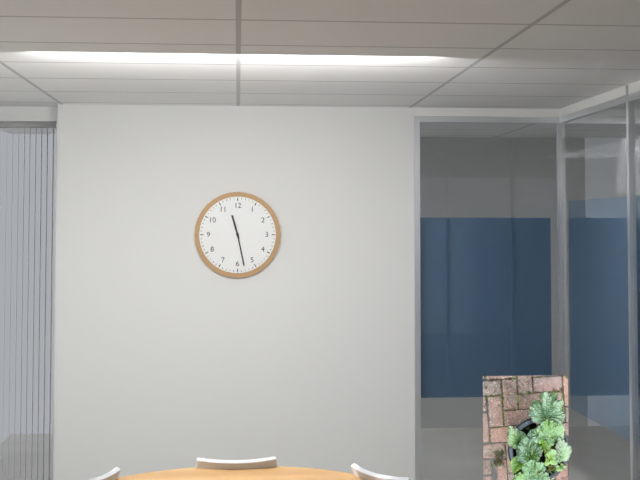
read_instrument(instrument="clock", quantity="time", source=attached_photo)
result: 11:28
